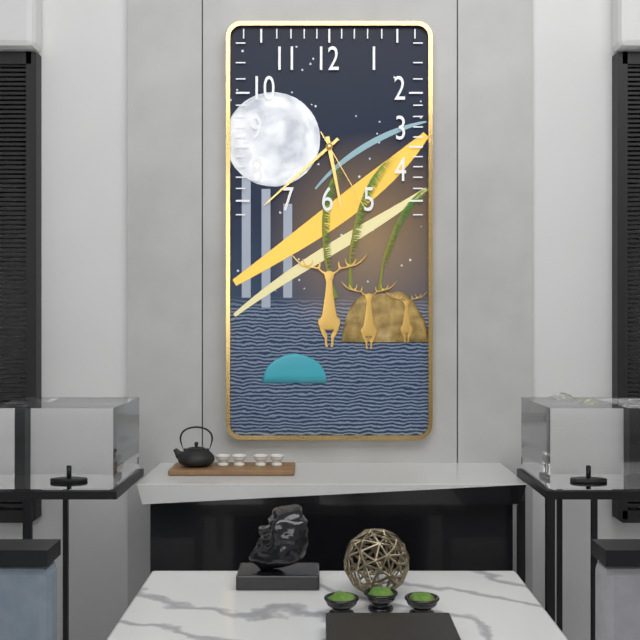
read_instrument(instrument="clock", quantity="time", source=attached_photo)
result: 5:38:25
